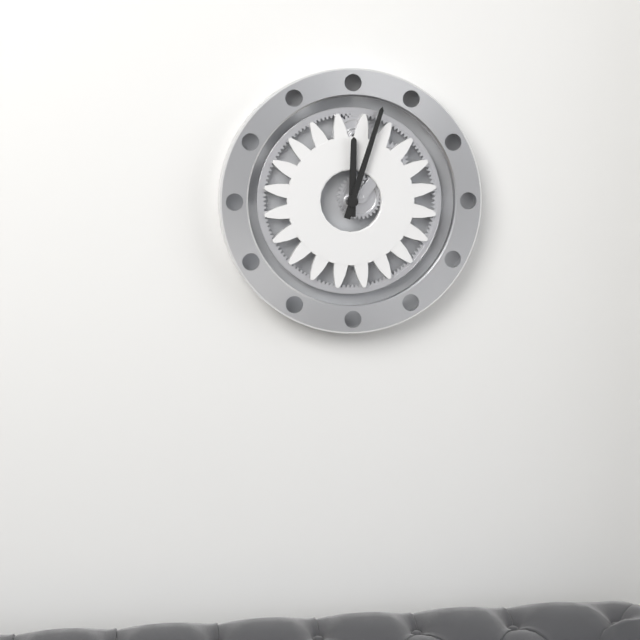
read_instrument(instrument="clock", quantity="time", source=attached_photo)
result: 12:03
